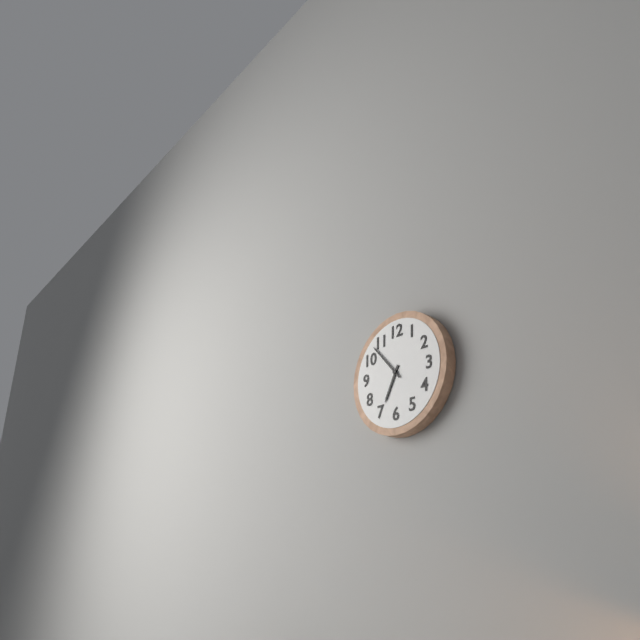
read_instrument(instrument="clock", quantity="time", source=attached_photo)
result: 6:53
